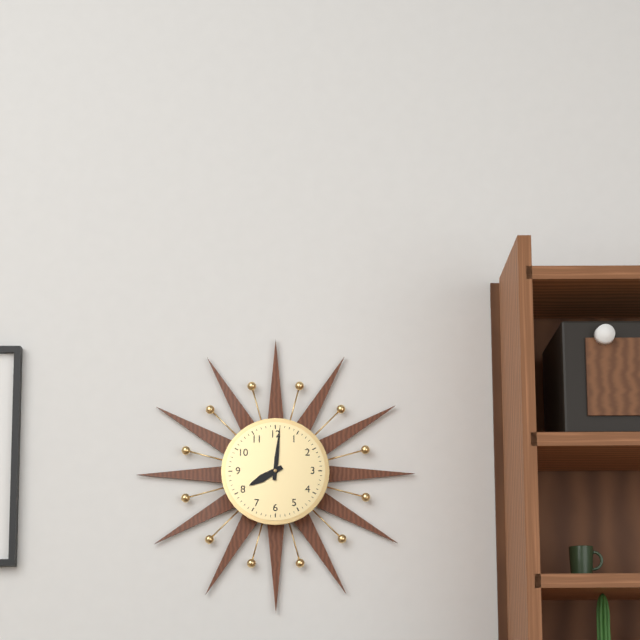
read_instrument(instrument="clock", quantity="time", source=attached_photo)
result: 8:01
